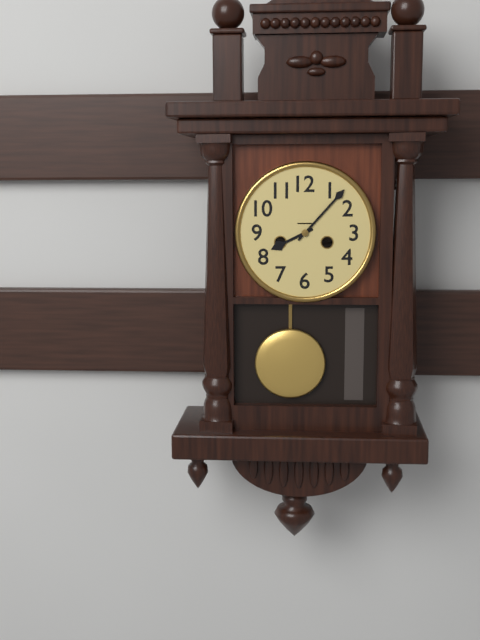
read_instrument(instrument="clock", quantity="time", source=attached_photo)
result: 8:07
